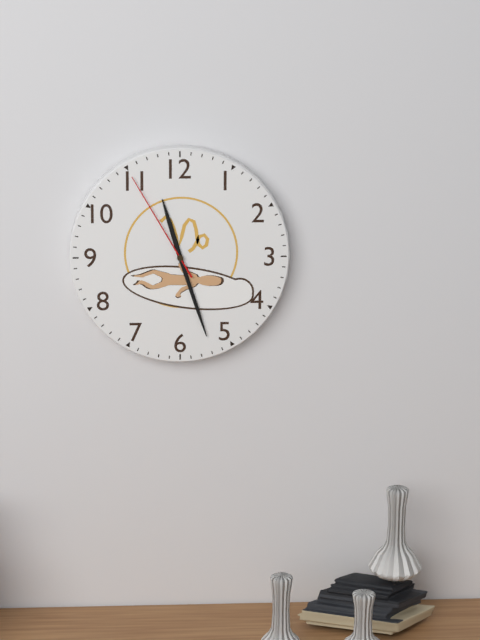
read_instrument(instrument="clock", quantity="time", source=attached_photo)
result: 11:27:55
